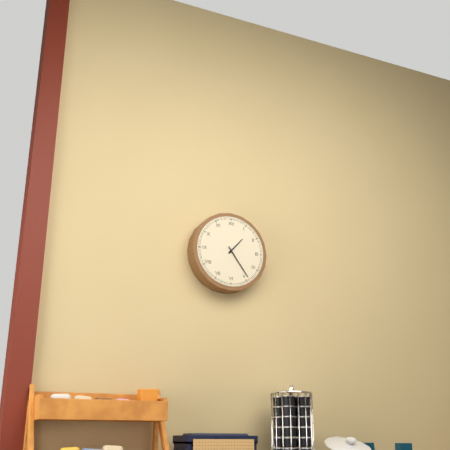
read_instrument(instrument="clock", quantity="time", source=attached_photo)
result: 1:24
